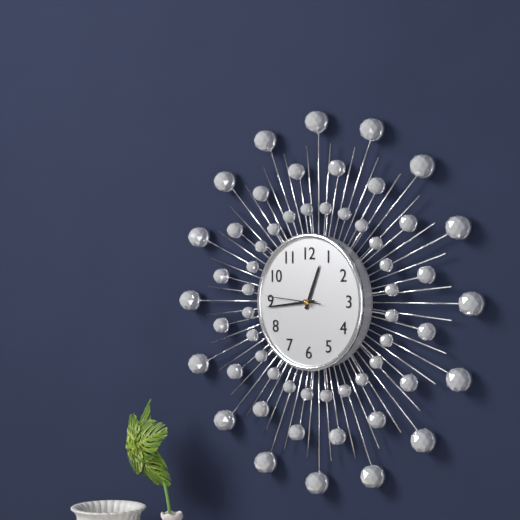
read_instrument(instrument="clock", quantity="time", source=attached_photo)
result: 12:44:46
